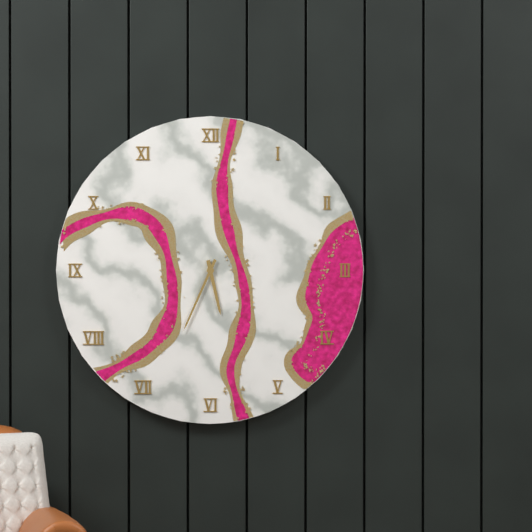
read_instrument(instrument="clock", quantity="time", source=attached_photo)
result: 5:34
